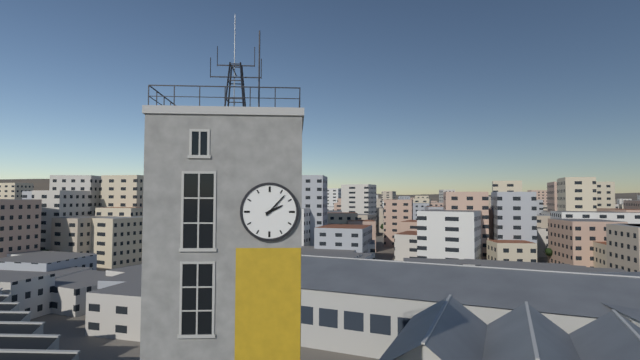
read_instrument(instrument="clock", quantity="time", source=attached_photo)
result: 2:07
